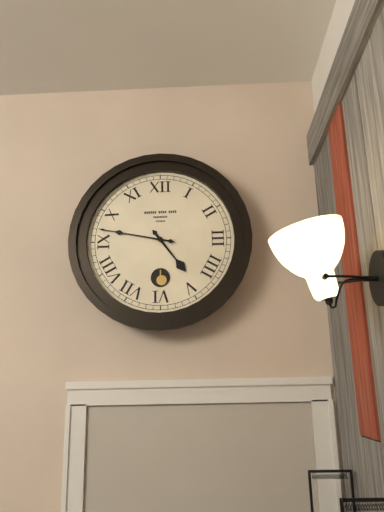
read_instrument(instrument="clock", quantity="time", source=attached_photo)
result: 4:47
